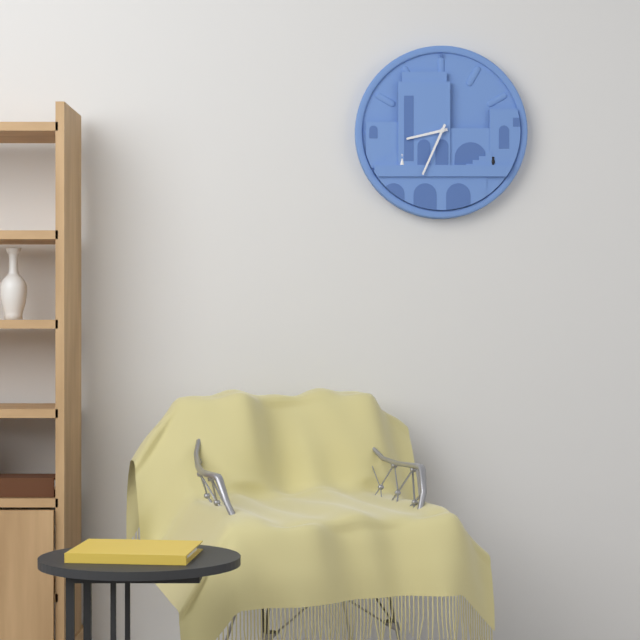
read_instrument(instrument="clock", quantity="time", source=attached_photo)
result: 8:34
